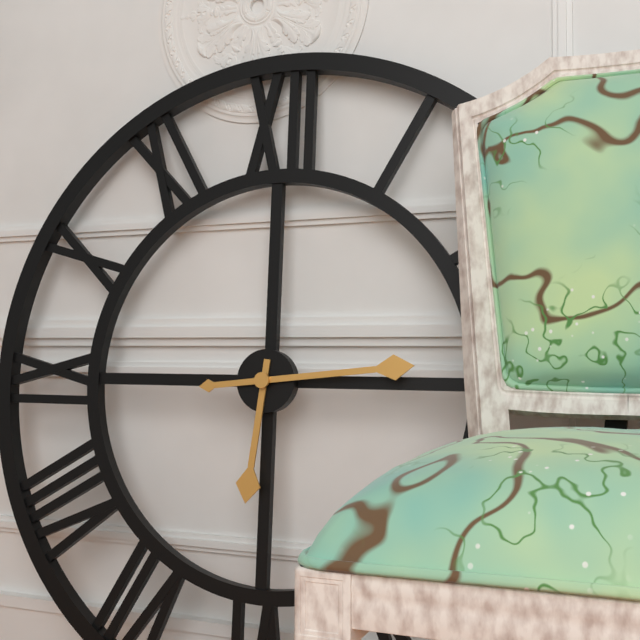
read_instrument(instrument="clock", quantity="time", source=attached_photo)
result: 6:14
